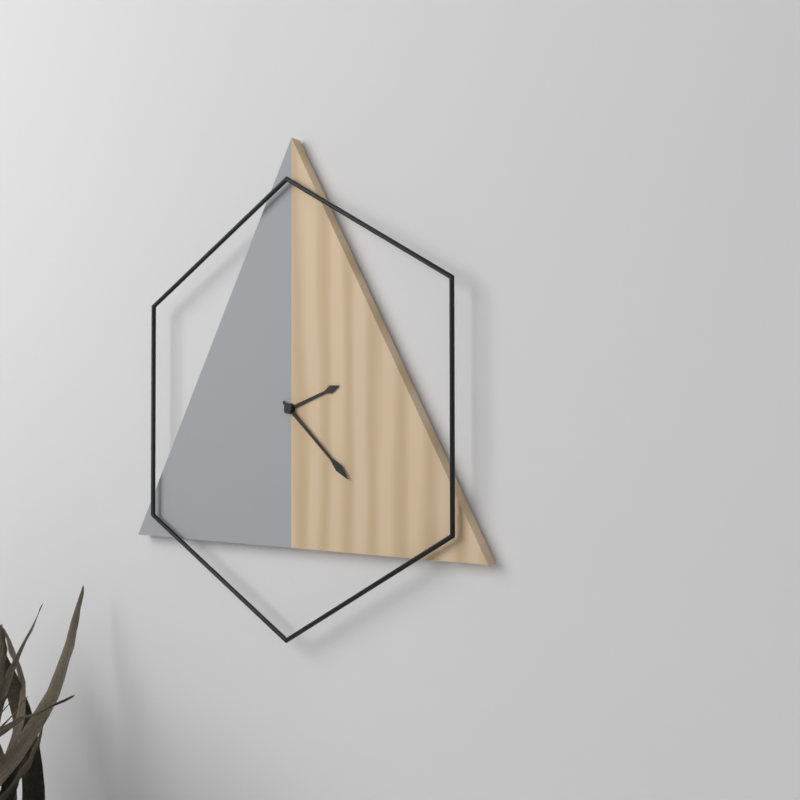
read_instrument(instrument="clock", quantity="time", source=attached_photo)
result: 2:22
